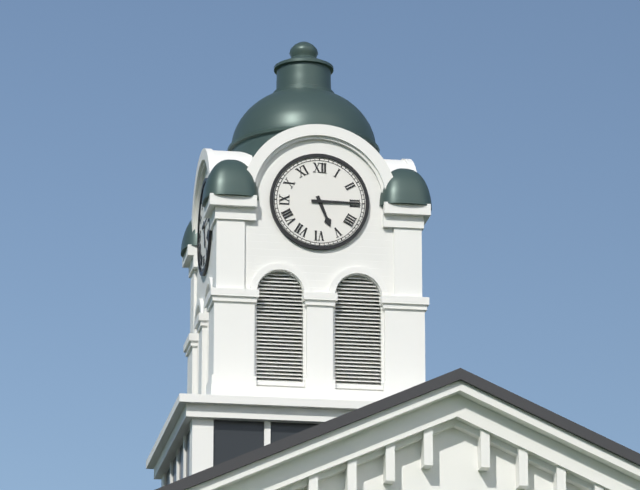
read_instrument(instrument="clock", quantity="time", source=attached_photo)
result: 5:15
